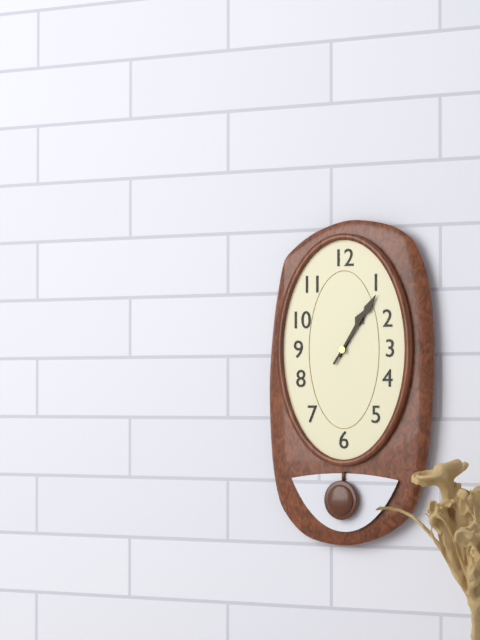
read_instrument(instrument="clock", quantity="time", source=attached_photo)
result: 1:06
